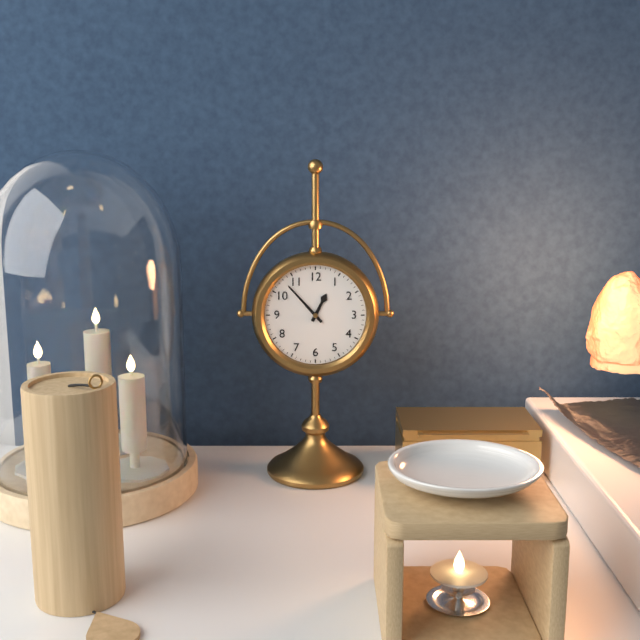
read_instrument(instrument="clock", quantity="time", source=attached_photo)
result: 12:53
